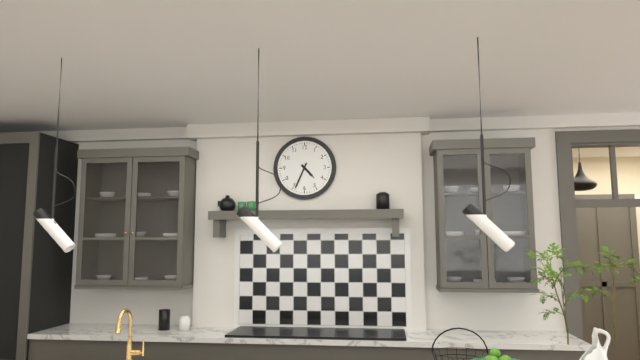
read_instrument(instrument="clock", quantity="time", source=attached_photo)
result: 4:34
